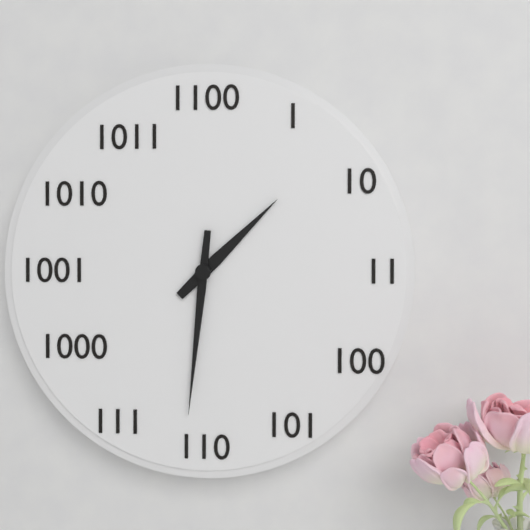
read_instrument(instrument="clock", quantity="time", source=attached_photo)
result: 1:31
